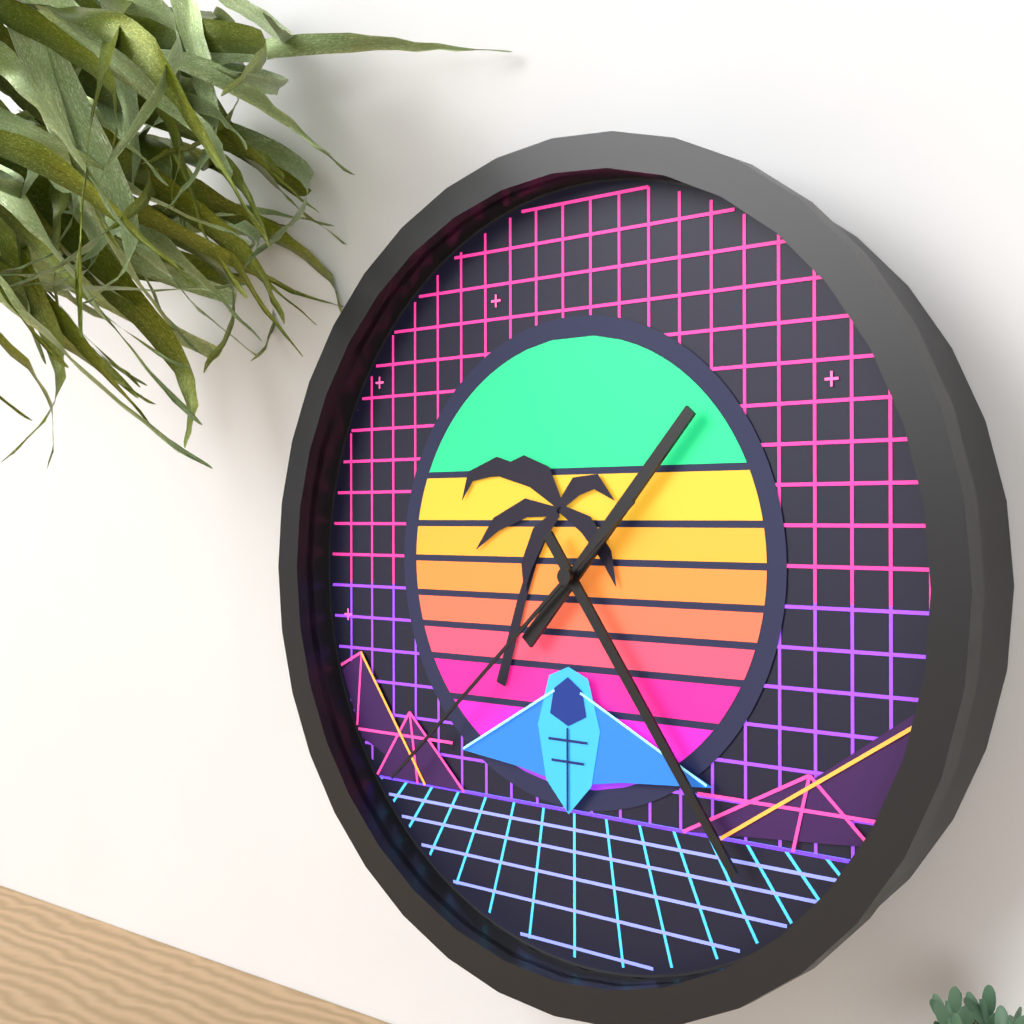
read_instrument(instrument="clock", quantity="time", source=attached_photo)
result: 1:24:38
